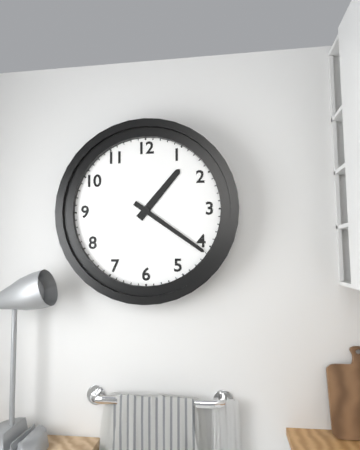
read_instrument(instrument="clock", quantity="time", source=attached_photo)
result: 1:21
